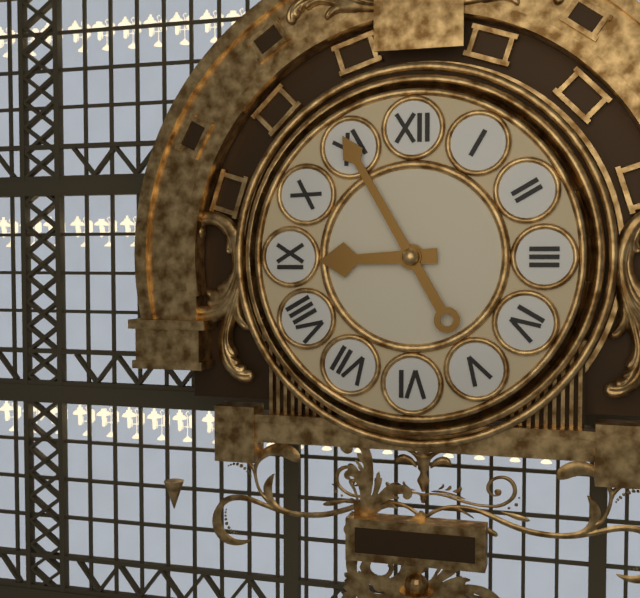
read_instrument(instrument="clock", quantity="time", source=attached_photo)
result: 8:55
